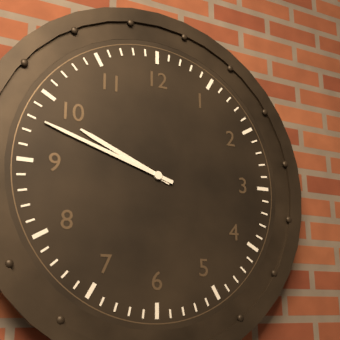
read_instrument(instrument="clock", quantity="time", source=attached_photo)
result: 9:48
